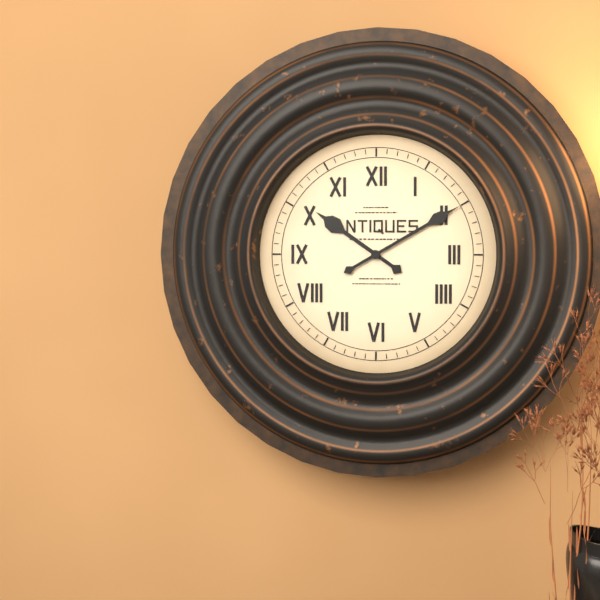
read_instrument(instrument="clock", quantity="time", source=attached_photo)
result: 10:10
